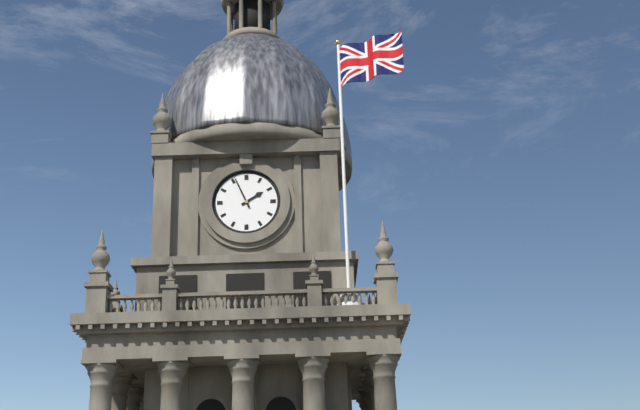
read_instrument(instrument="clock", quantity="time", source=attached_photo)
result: 1:56
